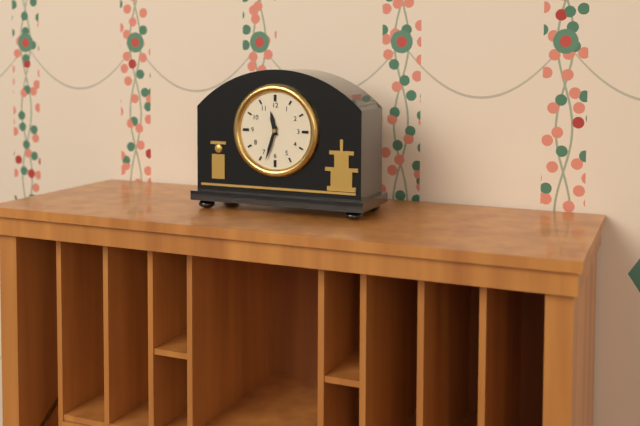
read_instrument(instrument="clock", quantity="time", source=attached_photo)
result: 11:33
